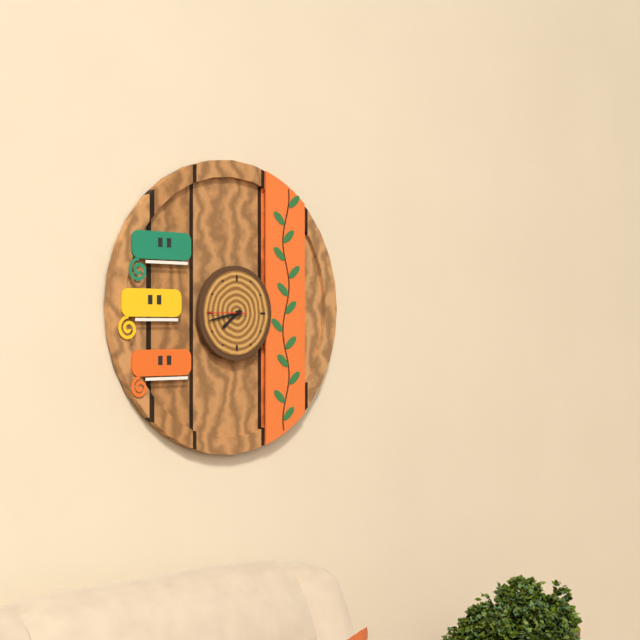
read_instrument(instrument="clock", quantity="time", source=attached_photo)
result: 7:43
